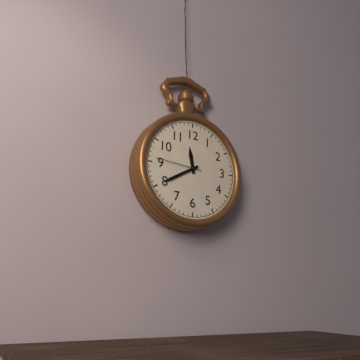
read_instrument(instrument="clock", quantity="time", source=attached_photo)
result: 11:40
